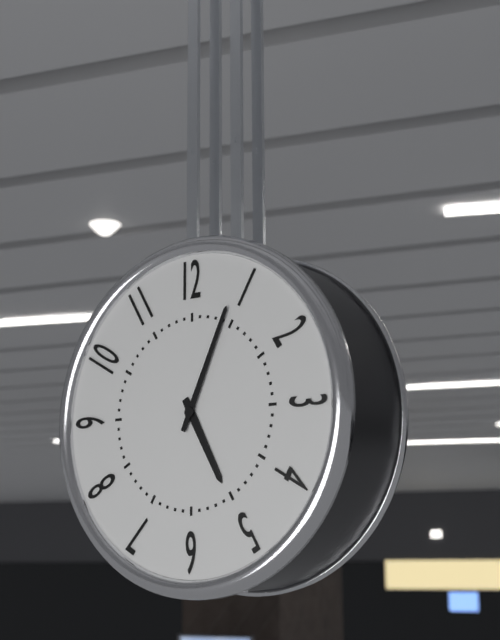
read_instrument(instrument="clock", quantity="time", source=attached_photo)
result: 5:04
